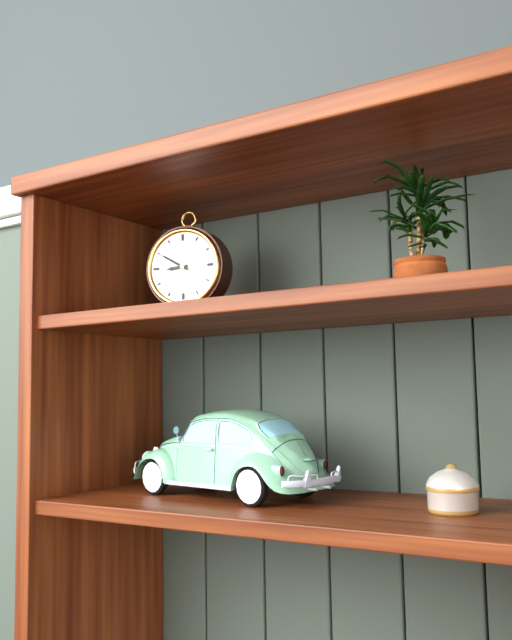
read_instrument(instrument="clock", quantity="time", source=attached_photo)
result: 8:50
